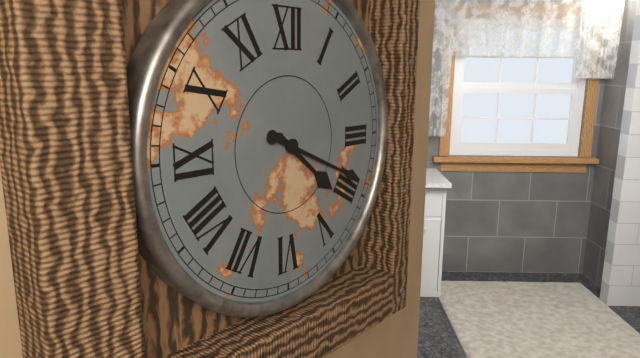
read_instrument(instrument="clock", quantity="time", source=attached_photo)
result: 4:19
